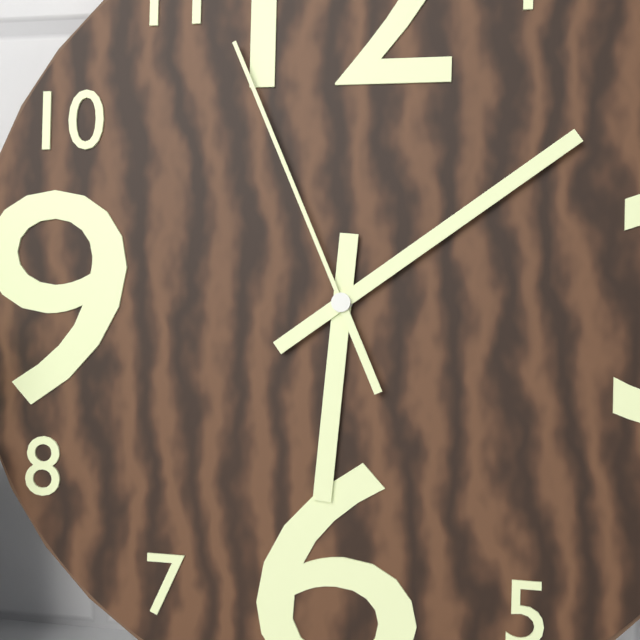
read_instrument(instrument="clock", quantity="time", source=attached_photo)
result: 6:09:56
